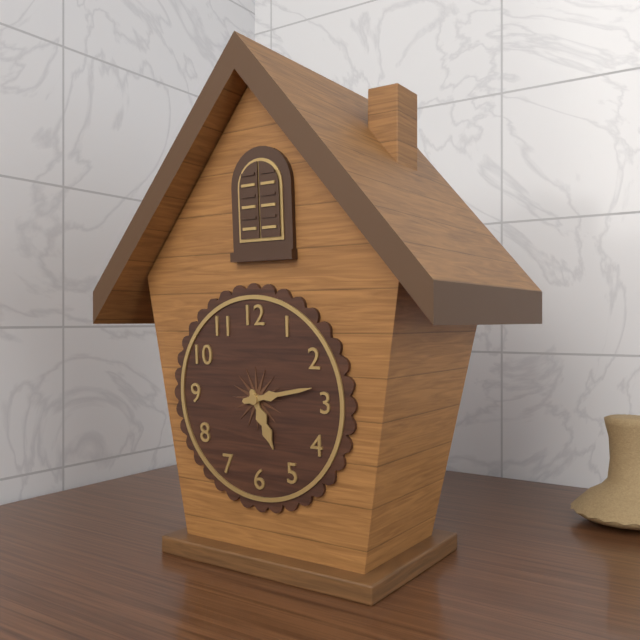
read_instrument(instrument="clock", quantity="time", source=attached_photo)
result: 5:13
